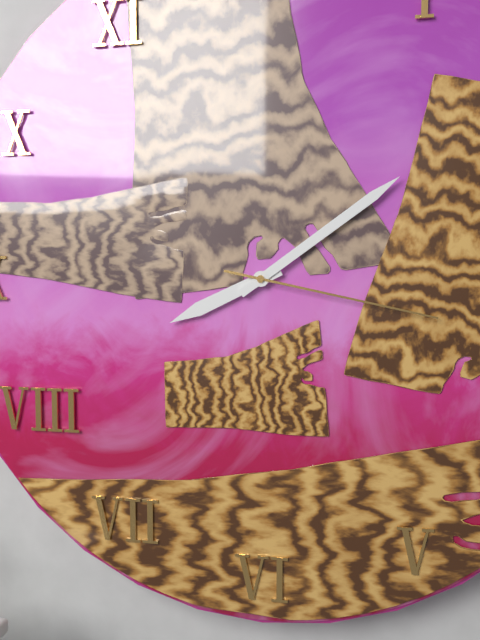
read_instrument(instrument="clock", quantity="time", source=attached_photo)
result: 8:09:17
